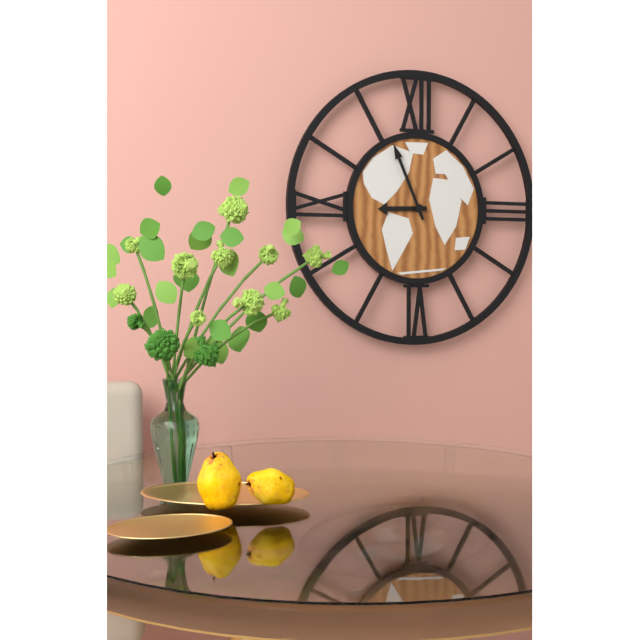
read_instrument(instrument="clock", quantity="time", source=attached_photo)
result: 8:56
